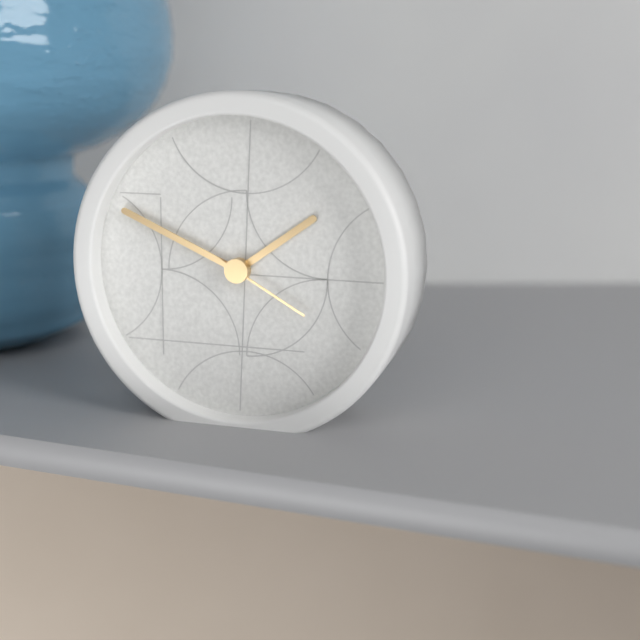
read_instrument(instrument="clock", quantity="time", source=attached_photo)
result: 1:49:20
